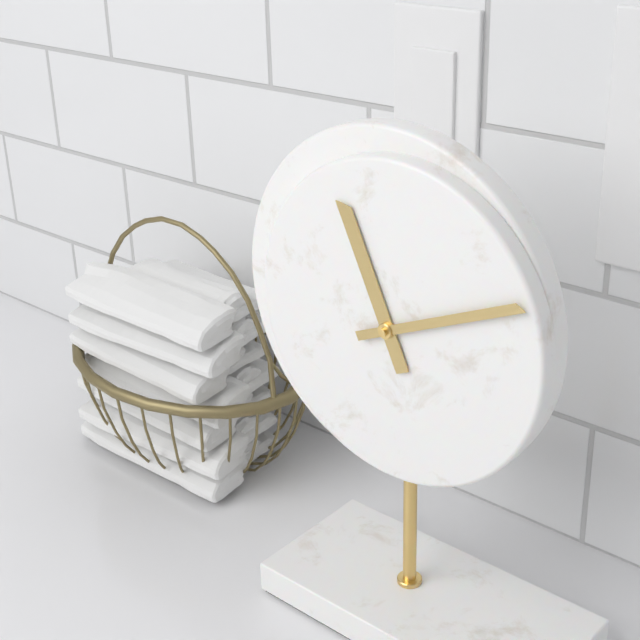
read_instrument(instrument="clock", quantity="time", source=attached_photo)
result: 11:11
